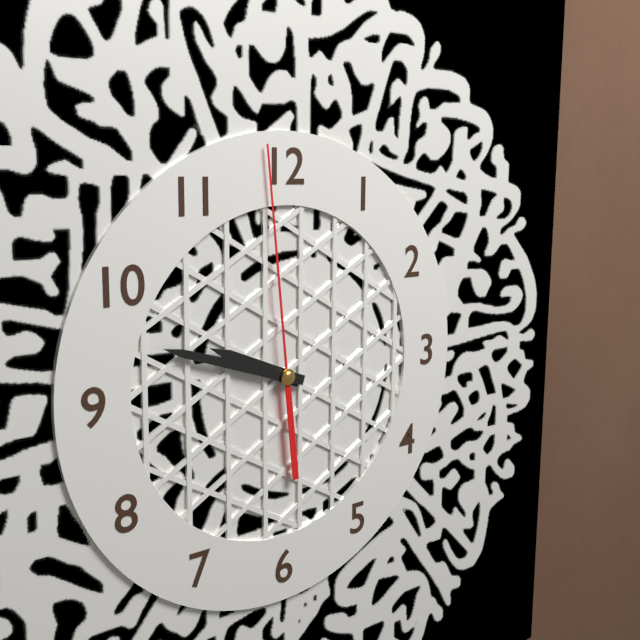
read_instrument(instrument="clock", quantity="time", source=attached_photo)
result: 9:48:59
